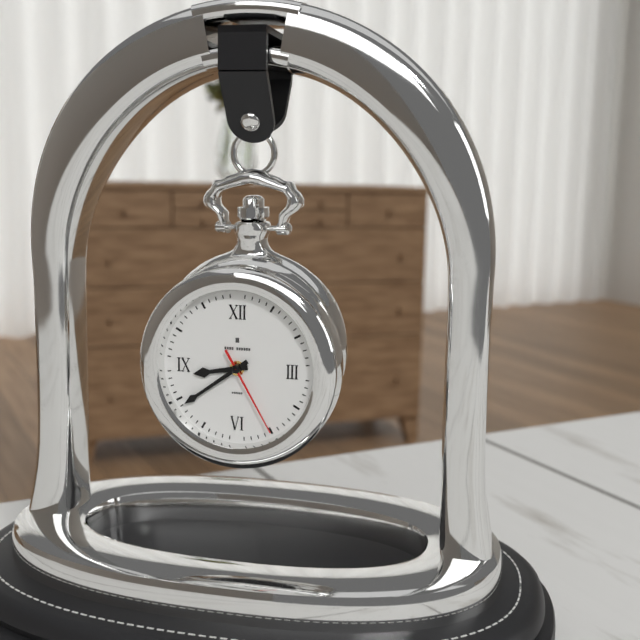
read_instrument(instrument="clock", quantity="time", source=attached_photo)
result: 8:39:25
